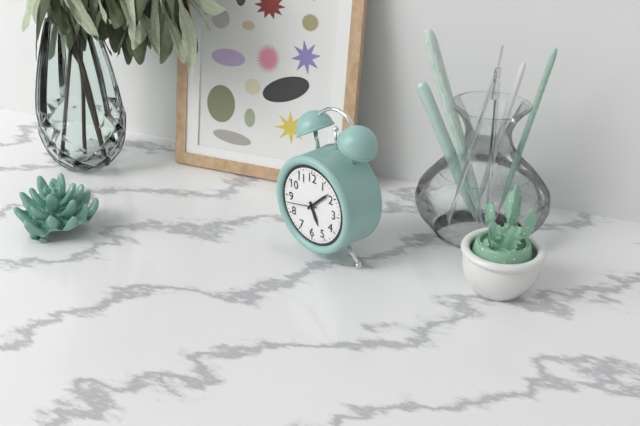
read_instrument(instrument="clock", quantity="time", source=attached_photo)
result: 5:08
